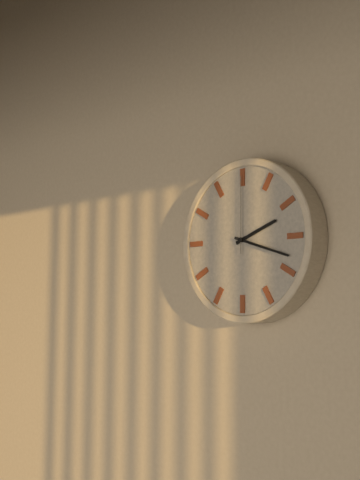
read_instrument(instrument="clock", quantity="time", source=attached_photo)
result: 2:18:00
